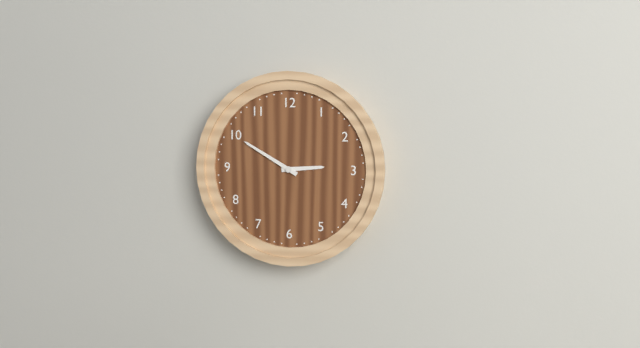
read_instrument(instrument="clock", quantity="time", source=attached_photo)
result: 2:50
